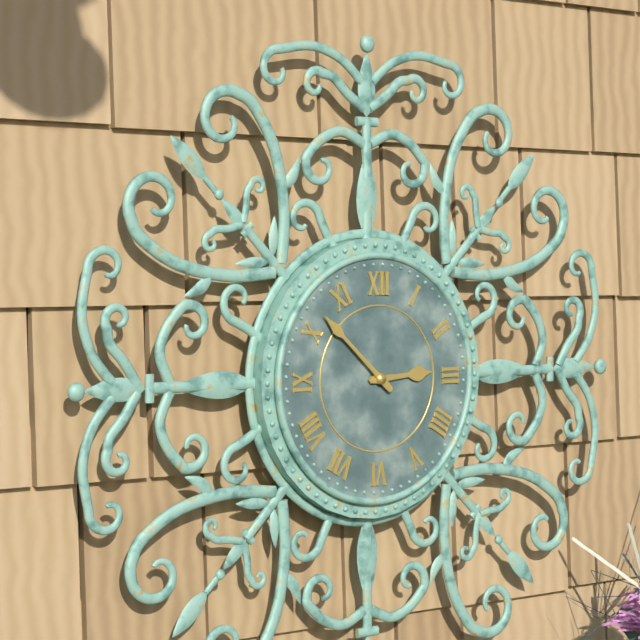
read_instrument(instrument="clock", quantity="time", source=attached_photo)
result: 2:52
